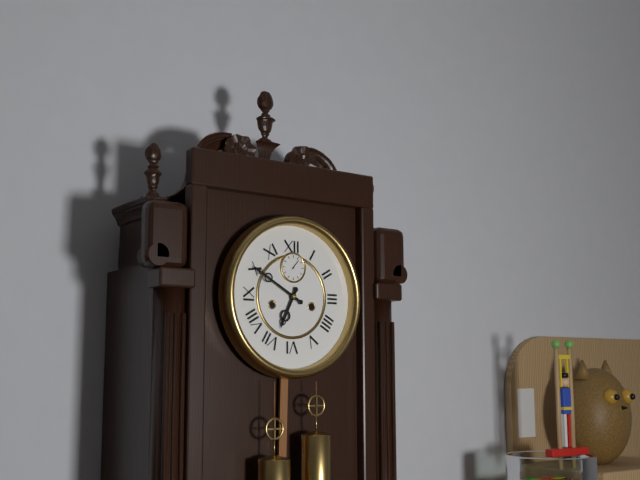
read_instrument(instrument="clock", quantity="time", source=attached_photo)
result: 6:50
